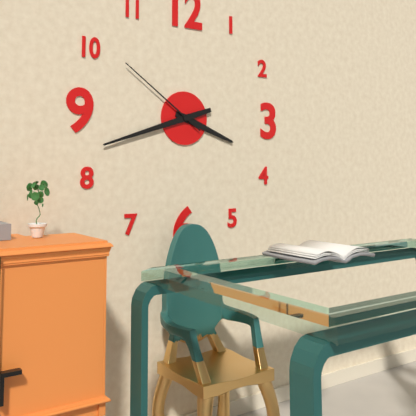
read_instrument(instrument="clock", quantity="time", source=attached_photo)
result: 3:42:51
